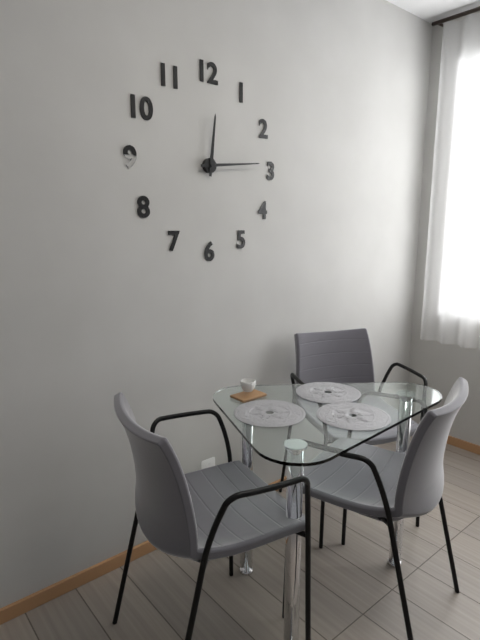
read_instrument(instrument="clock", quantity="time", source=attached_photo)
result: 12:14
